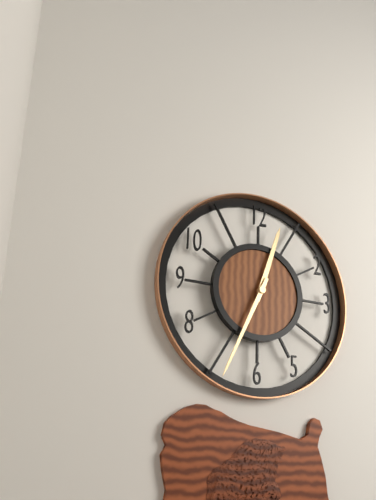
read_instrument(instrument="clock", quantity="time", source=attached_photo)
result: 12:34
